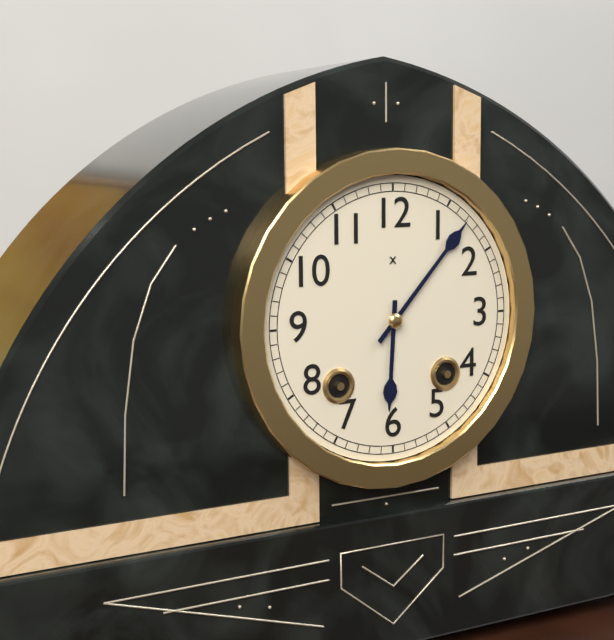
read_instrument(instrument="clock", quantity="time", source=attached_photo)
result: 6:07
